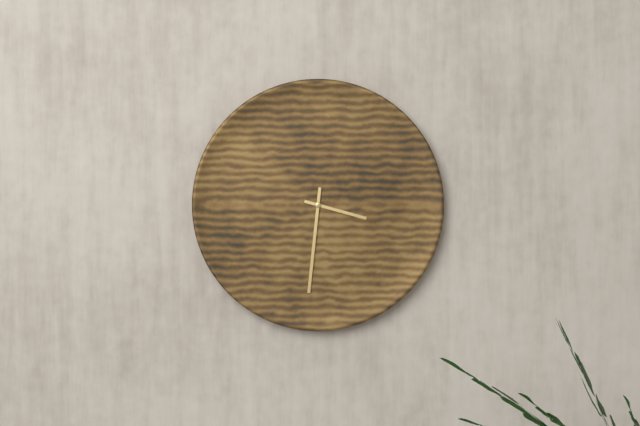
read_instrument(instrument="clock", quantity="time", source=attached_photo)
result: 3:31
